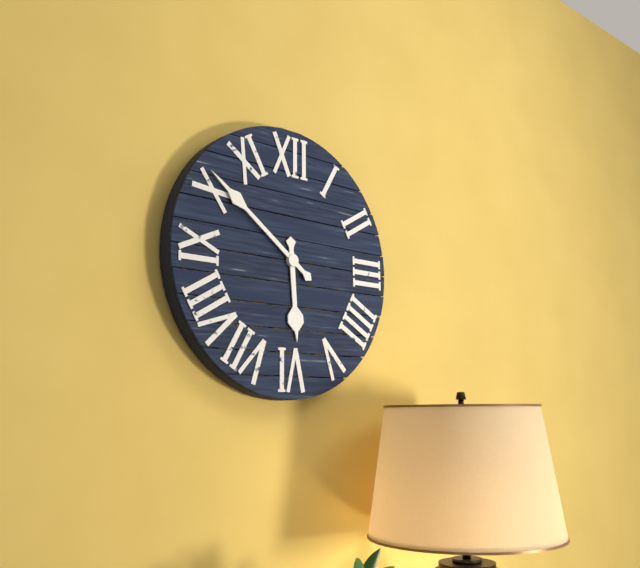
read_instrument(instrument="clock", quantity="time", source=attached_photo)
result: 5:51
